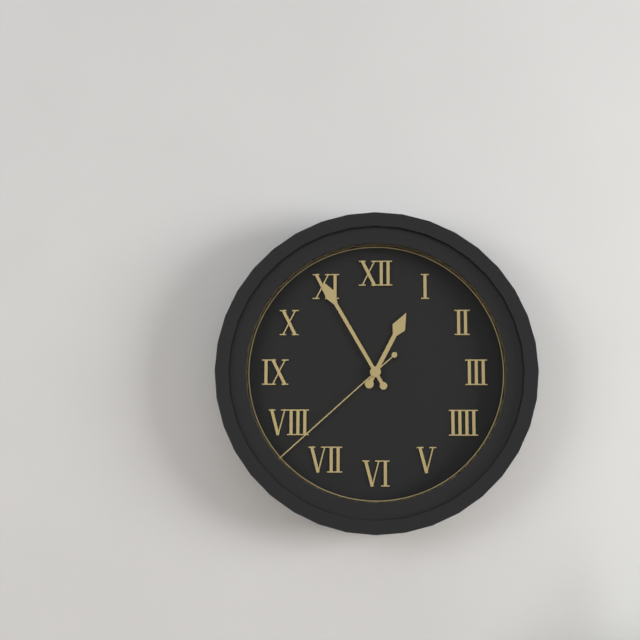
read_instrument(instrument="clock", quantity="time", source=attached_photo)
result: 12:55:38
